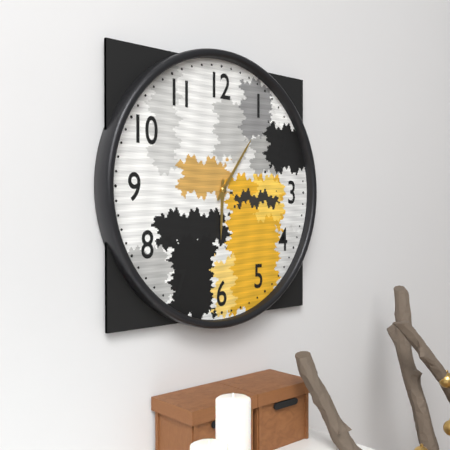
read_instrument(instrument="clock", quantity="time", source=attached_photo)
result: 6:06
